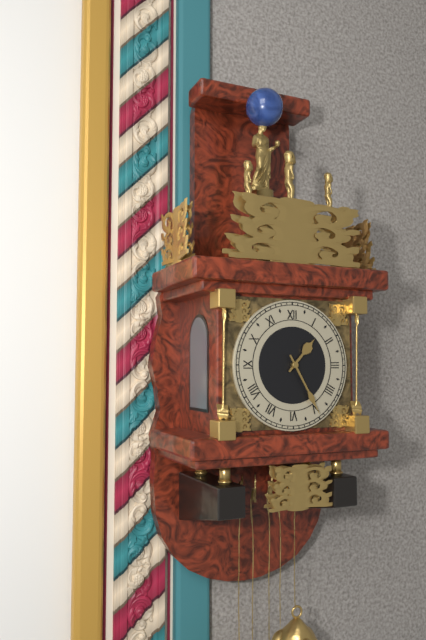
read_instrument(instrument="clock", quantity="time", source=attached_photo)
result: 1:25
